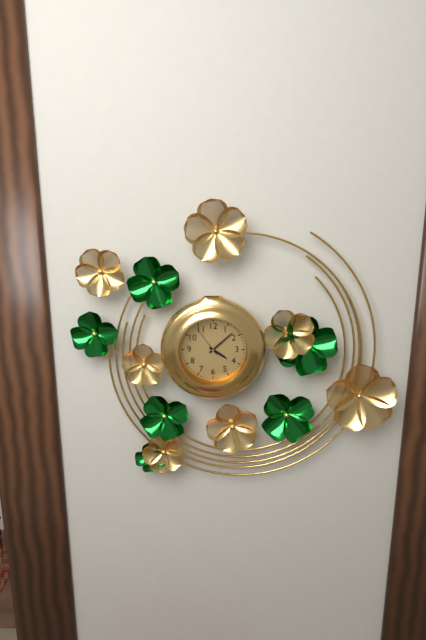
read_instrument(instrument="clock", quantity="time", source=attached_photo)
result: 4:08
